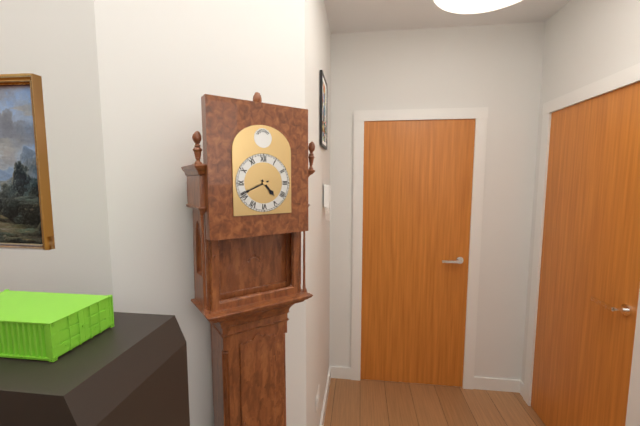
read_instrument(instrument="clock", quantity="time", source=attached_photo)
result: 4:41
